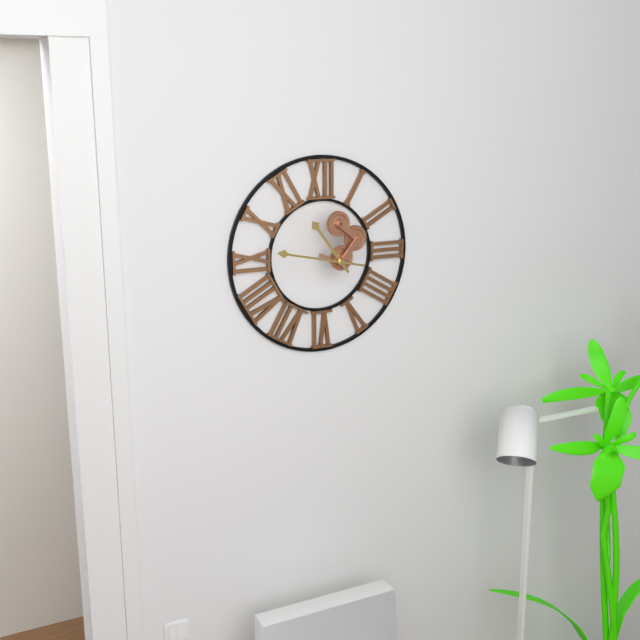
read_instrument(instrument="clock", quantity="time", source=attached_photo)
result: 10:47
